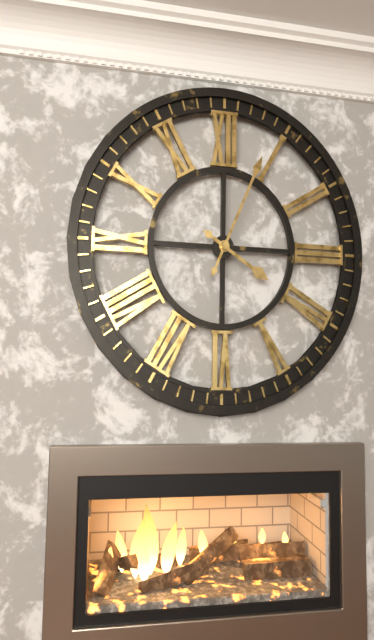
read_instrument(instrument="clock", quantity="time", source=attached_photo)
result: 4:04
